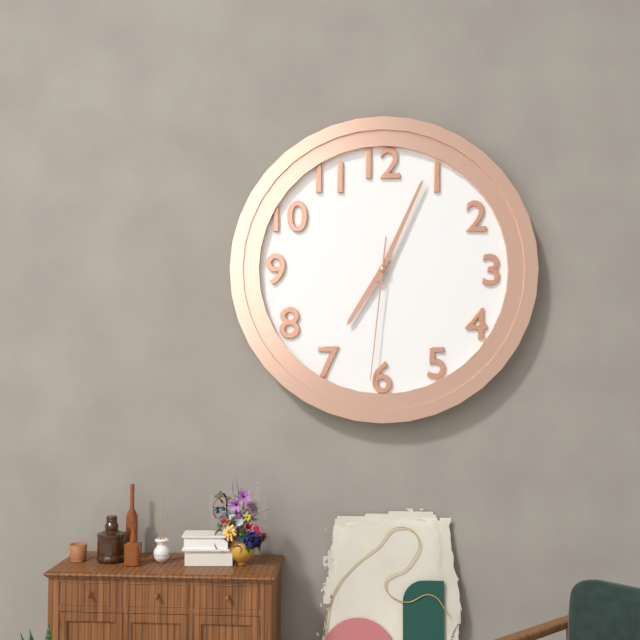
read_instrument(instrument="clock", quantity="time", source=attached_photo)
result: 7:04:31
